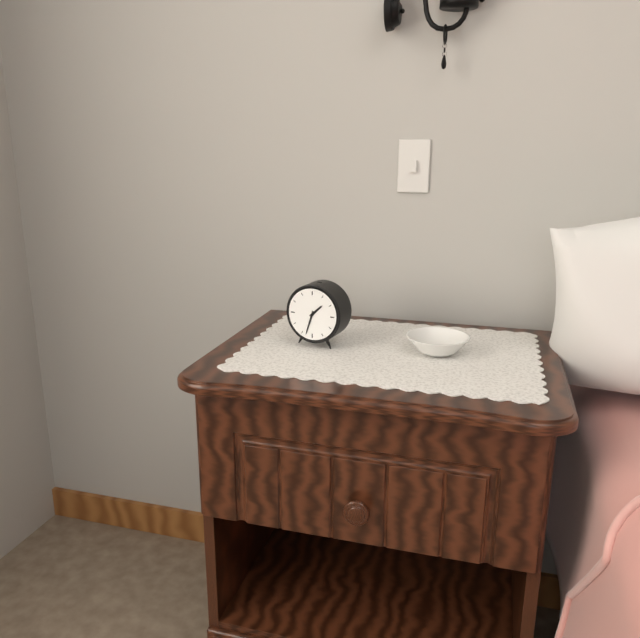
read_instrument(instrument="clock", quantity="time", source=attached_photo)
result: 1:33
